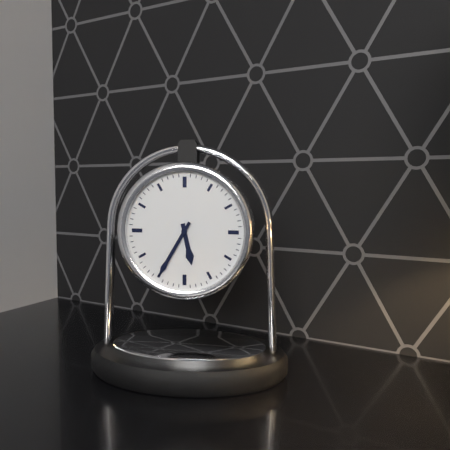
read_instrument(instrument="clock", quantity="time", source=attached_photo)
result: 5:35
